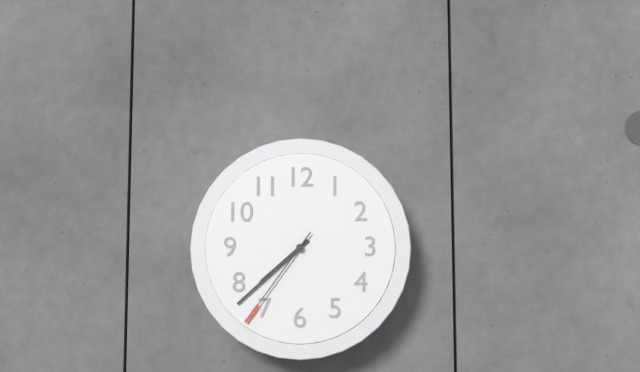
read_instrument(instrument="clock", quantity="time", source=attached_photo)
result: 7:38:36
